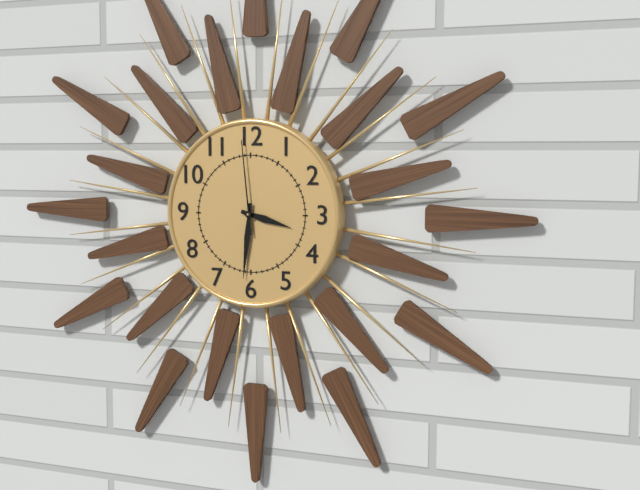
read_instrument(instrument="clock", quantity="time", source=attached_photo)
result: 3:31:59
